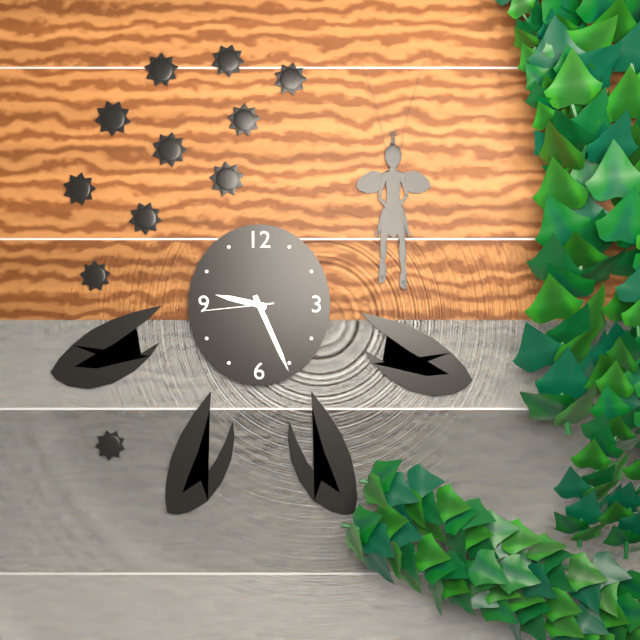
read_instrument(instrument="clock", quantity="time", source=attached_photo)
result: 9:26:44
